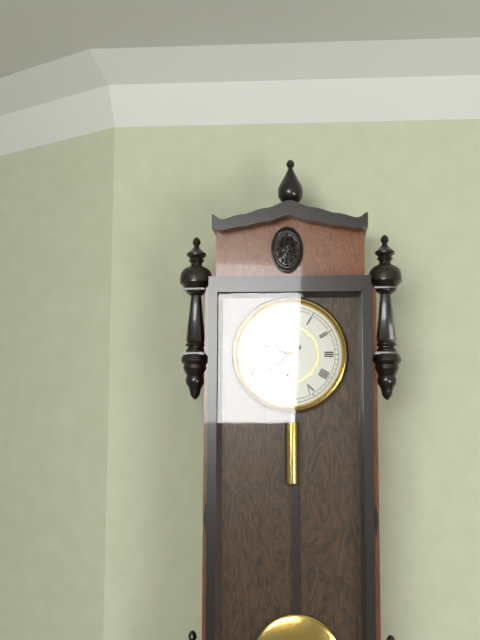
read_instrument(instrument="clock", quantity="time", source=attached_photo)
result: 9:39
